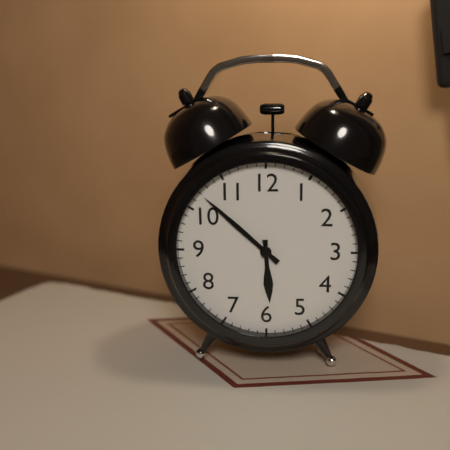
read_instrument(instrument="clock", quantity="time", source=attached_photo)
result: 5:52
